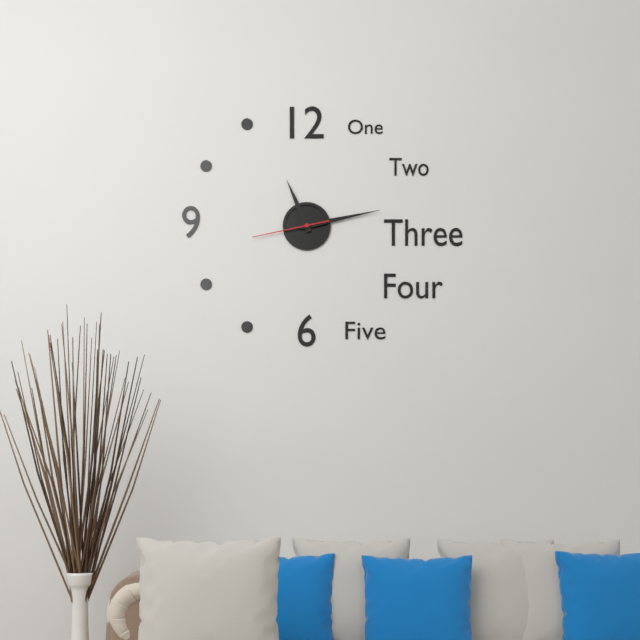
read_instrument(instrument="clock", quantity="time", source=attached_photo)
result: 11:13:43
